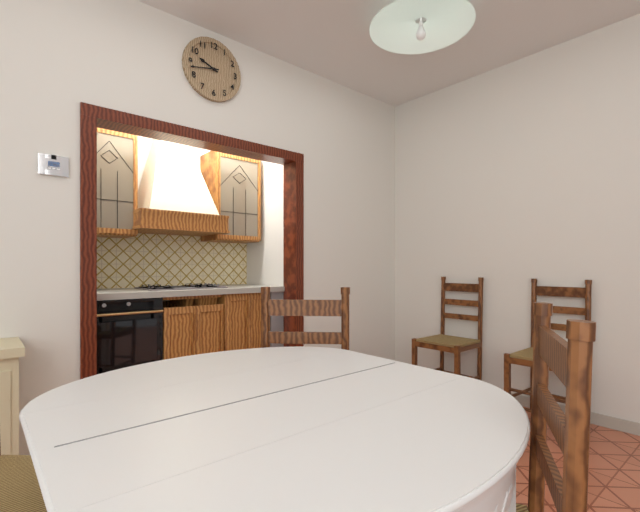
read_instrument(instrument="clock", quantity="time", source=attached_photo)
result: 9:43
